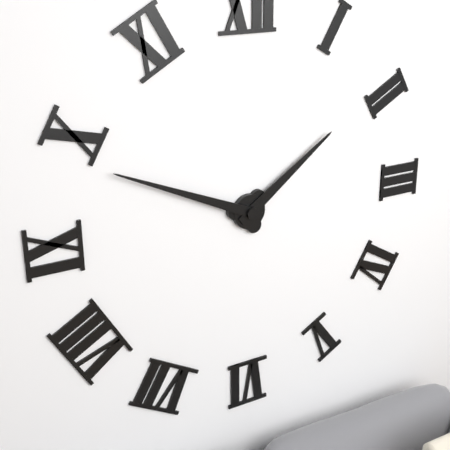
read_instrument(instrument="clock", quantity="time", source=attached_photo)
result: 1:49
